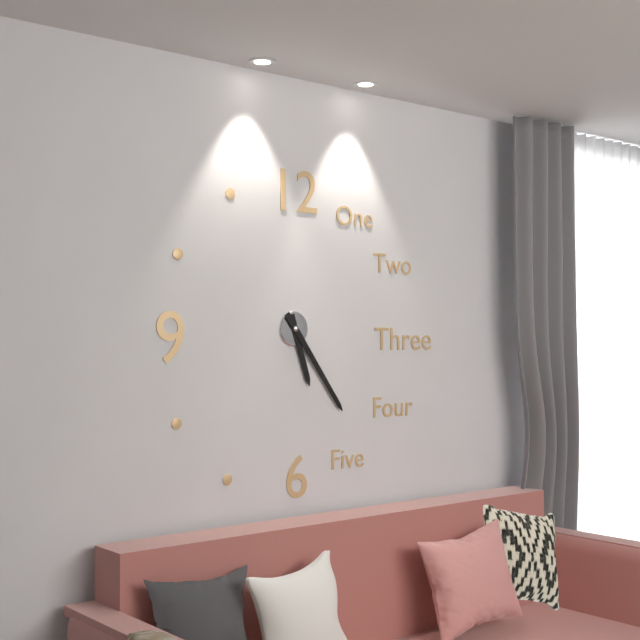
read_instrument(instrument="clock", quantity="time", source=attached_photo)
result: 5:24
